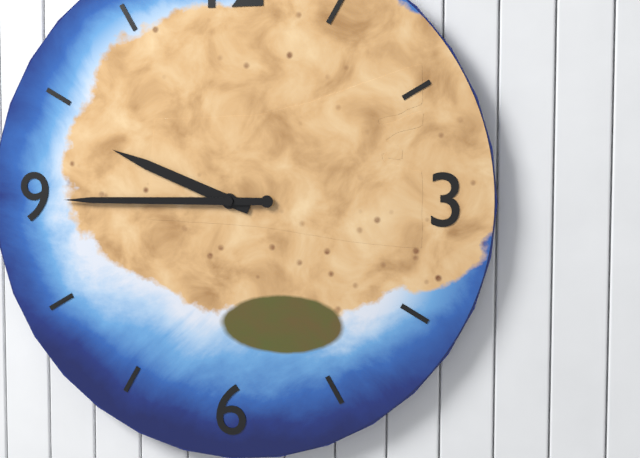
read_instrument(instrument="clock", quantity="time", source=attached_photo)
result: 9:45
